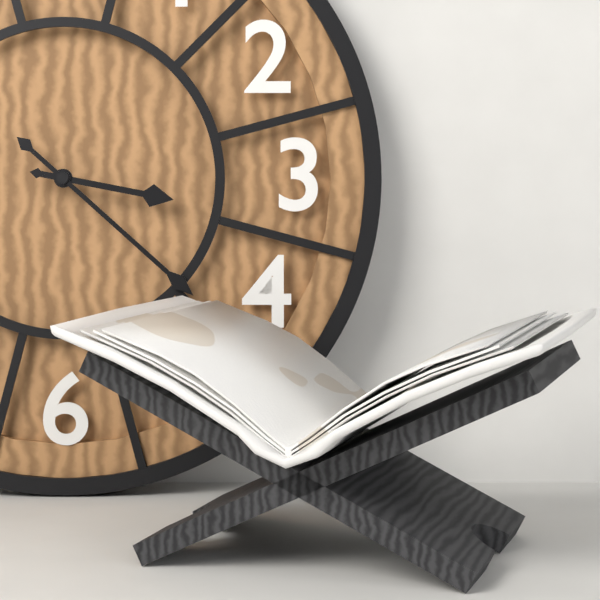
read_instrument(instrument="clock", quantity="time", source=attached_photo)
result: 3:22
